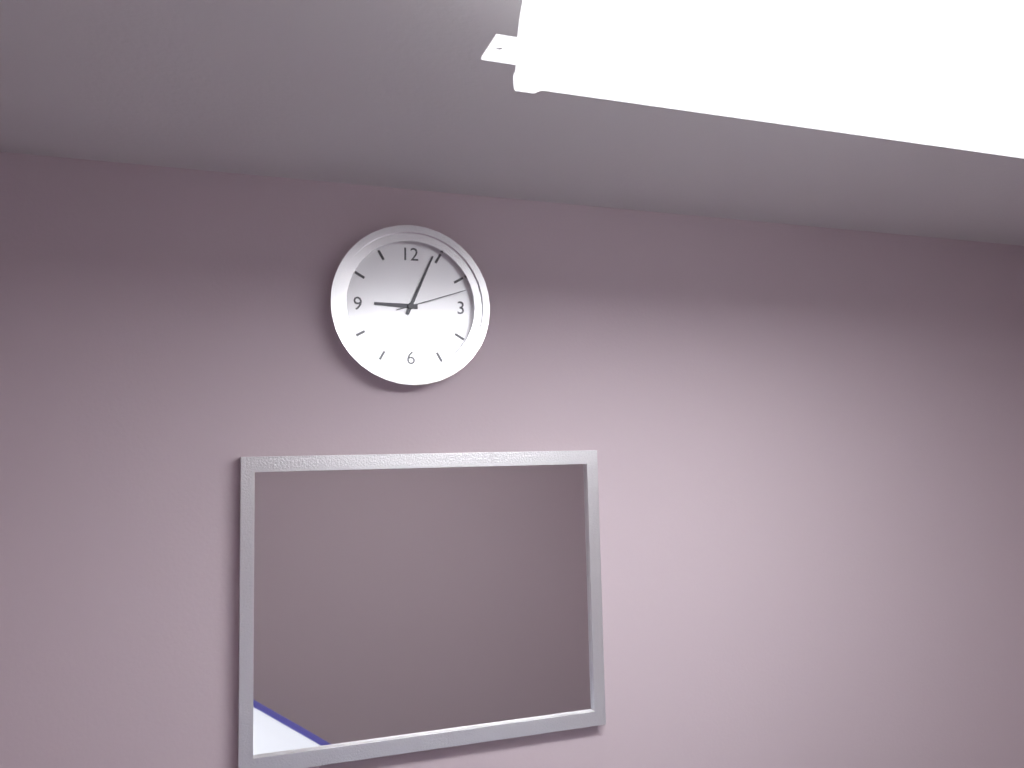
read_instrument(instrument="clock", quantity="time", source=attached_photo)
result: 9:04:12
